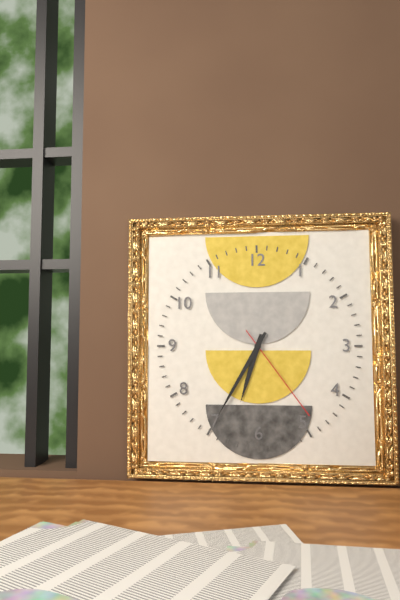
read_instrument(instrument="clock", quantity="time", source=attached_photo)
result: 6:35:24
